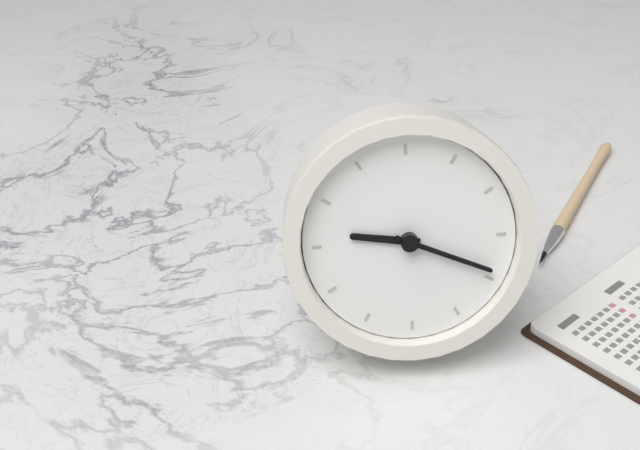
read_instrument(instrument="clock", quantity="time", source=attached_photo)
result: 9:19
